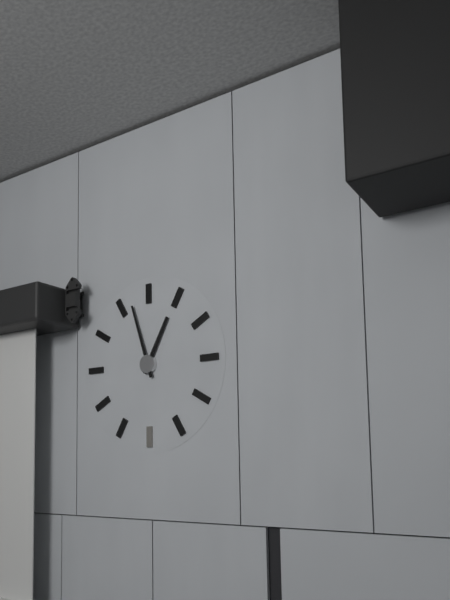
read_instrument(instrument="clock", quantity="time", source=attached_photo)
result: 12:57
